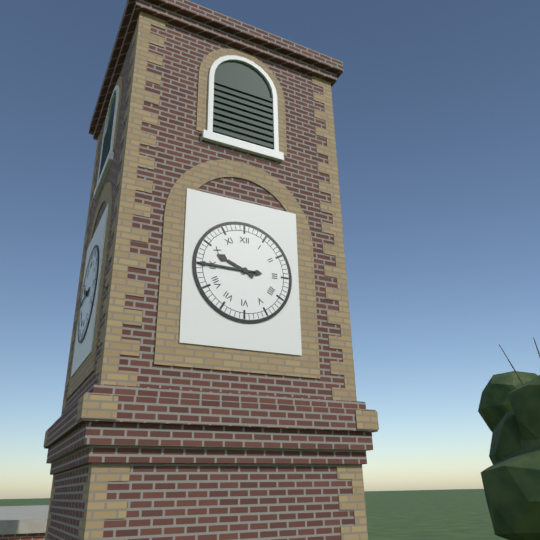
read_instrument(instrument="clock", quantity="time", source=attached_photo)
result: 9:45
